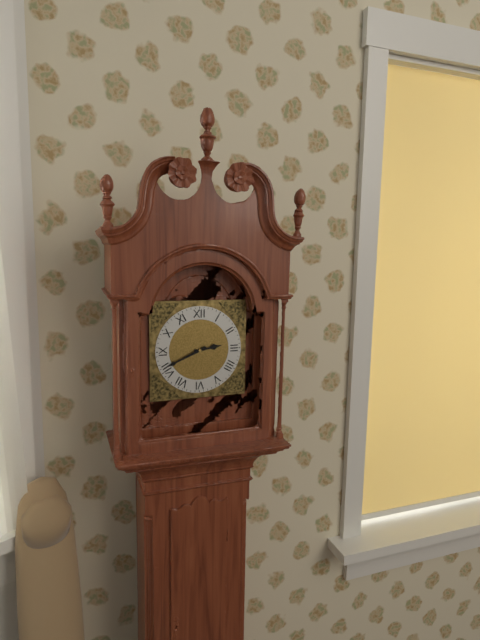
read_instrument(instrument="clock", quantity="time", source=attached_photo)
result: 2:41
